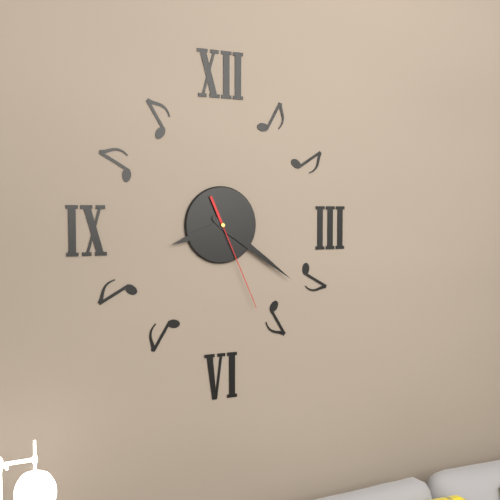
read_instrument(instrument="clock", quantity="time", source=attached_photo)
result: 8:21:26
